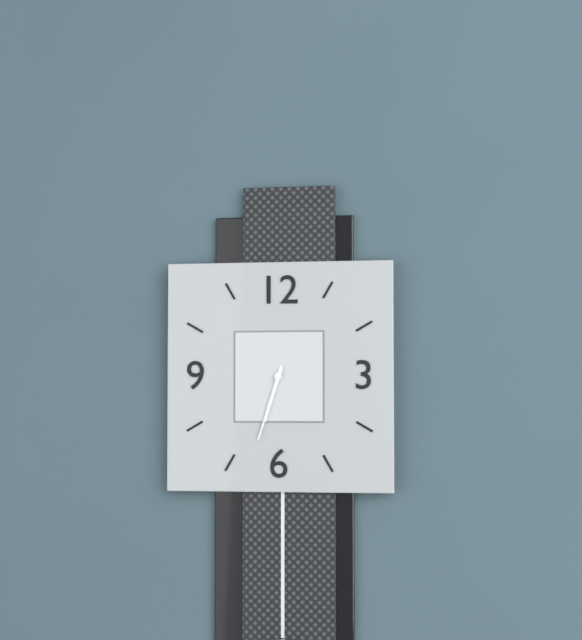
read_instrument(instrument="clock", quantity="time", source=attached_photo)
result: 6:33
